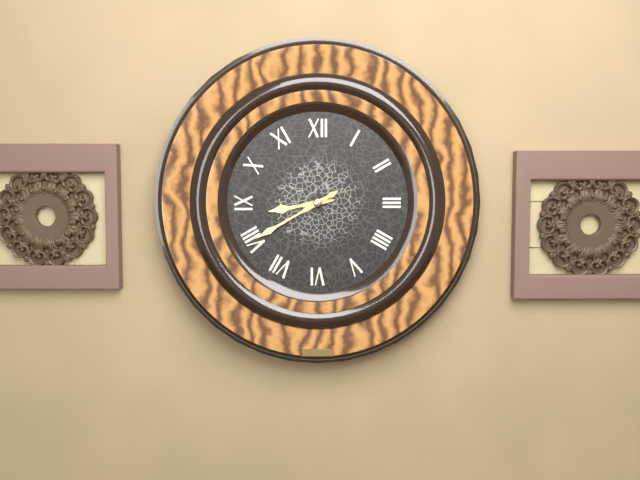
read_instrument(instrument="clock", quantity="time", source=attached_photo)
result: 8:40
